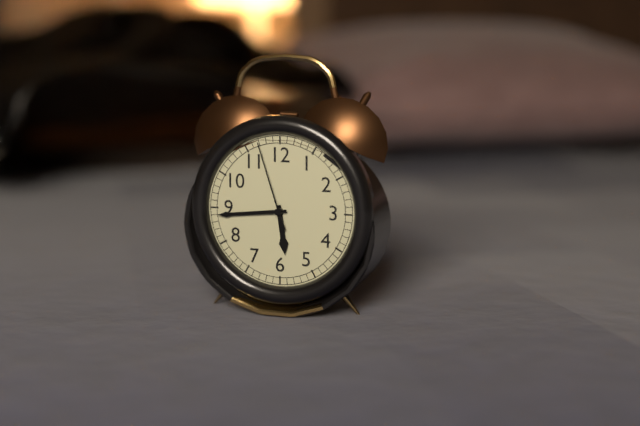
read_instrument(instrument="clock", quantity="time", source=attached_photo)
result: 5:44:57
